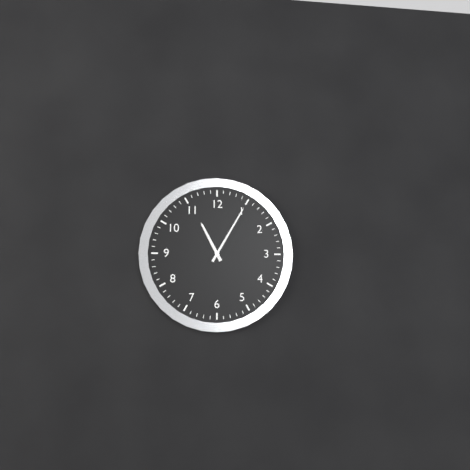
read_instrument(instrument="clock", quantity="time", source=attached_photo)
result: 11:05
